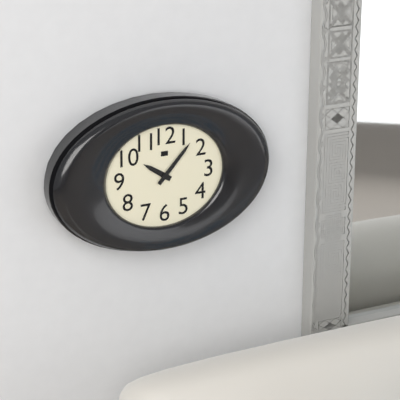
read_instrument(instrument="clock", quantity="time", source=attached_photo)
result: 10:07
